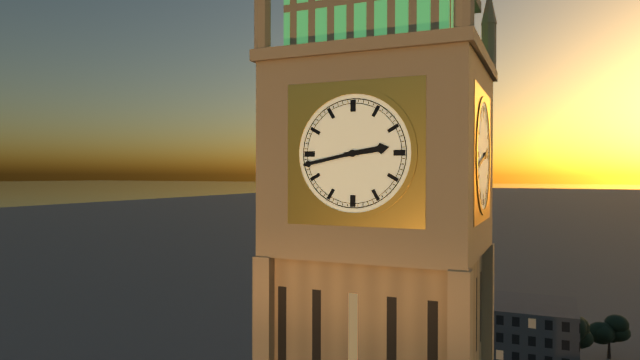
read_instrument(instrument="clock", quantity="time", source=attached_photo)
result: 2:43
